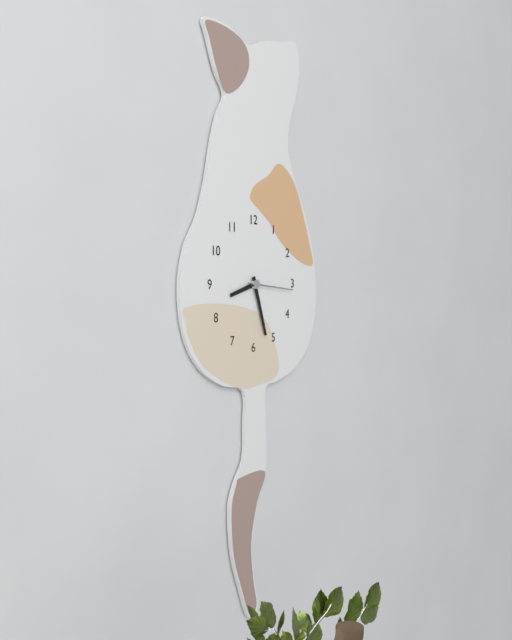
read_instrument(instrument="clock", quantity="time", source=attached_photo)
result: 8:27:16
